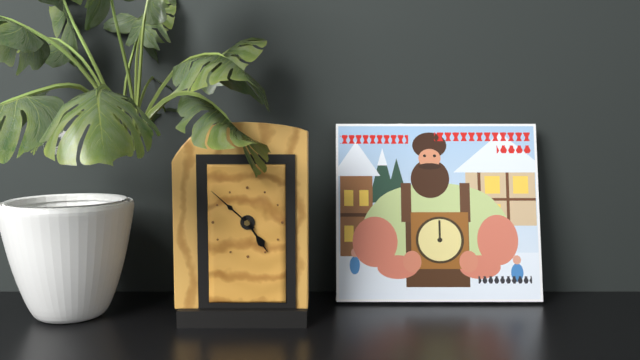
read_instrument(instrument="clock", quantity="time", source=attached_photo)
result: 4:52
